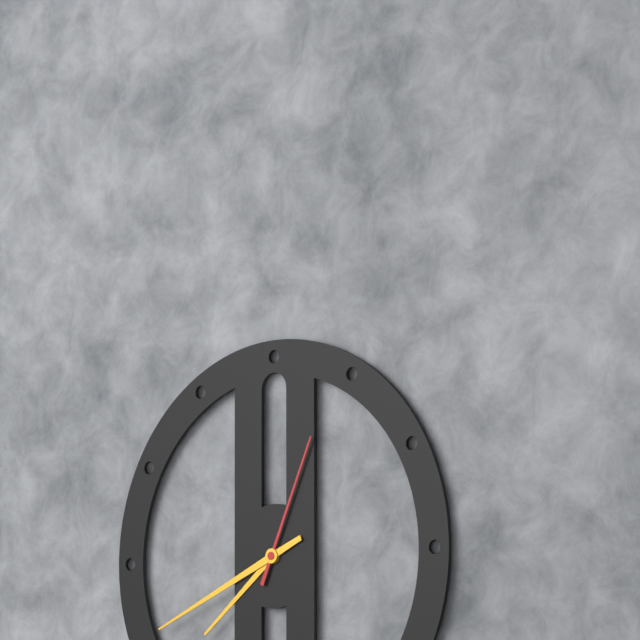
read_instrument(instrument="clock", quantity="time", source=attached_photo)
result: 7:41:04
